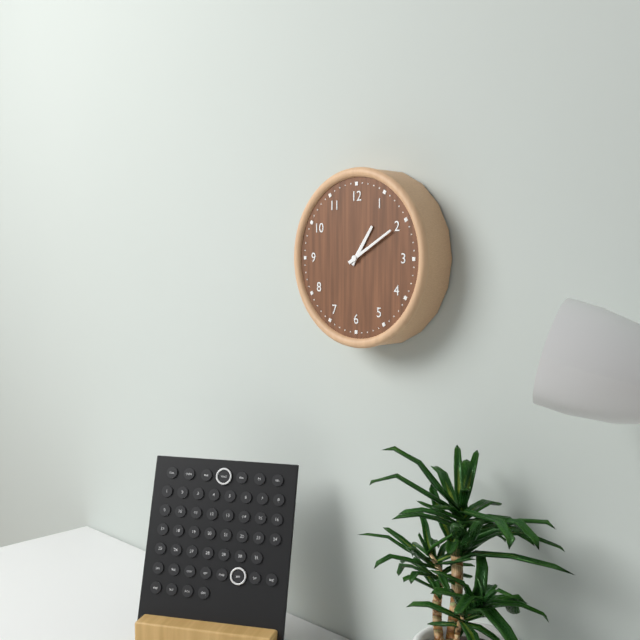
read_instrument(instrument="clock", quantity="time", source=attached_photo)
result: 1:10
